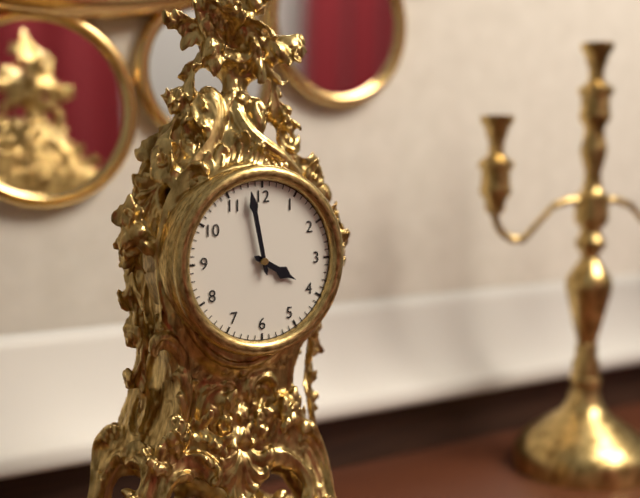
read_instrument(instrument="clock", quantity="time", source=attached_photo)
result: 3:58
